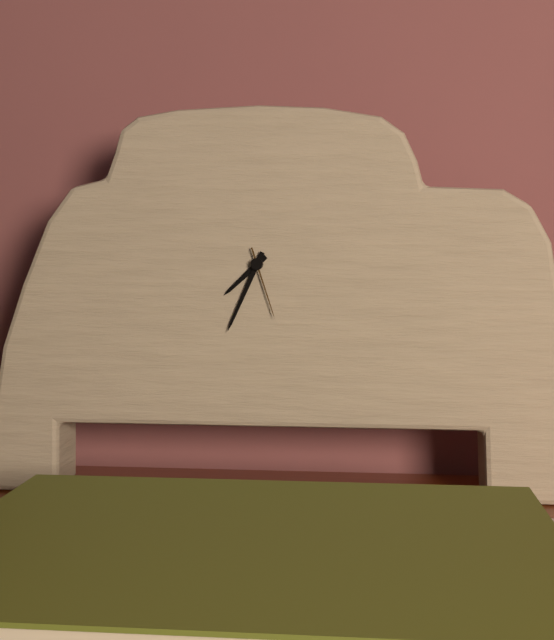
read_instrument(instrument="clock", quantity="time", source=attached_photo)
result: 7:34:27
